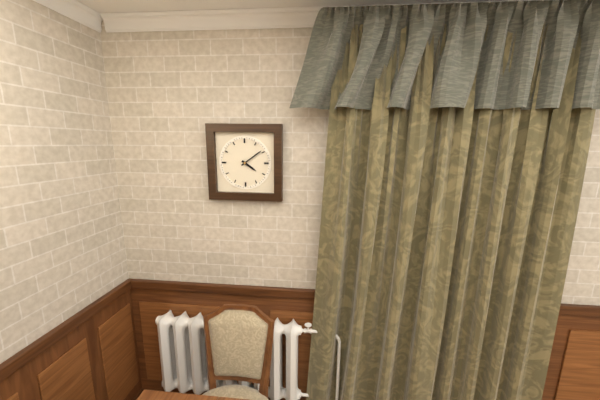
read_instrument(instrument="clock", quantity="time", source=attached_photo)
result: 4:09
